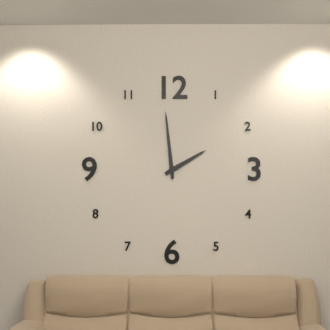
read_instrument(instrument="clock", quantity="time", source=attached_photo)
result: 1:59
